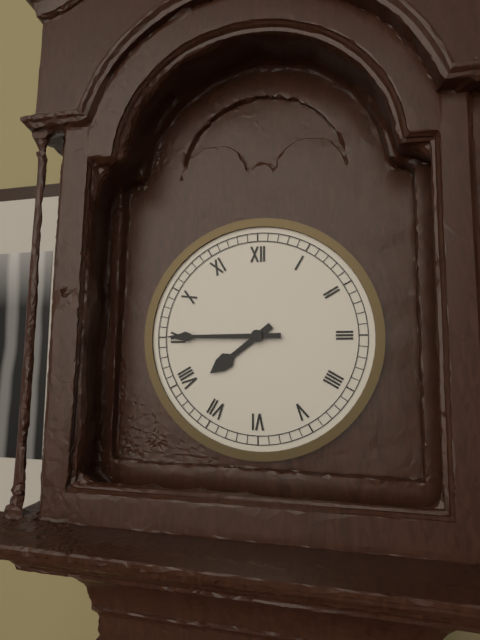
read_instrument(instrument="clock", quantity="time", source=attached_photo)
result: 7:45
